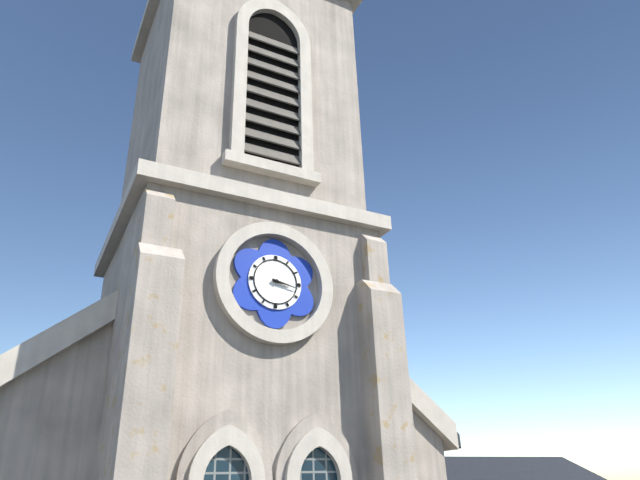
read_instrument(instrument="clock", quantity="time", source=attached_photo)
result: 3:17
